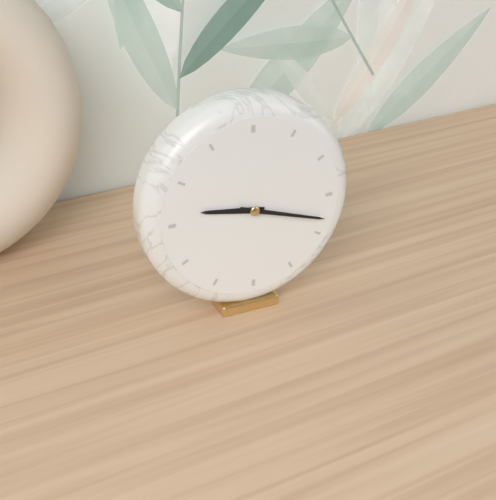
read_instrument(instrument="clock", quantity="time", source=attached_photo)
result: 9:18
